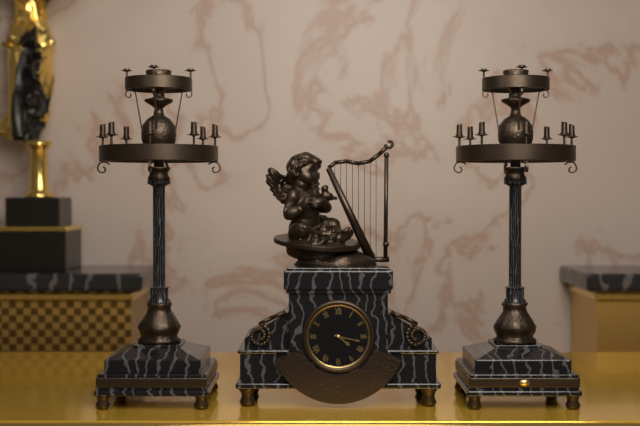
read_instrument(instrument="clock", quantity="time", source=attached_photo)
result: 4:17
